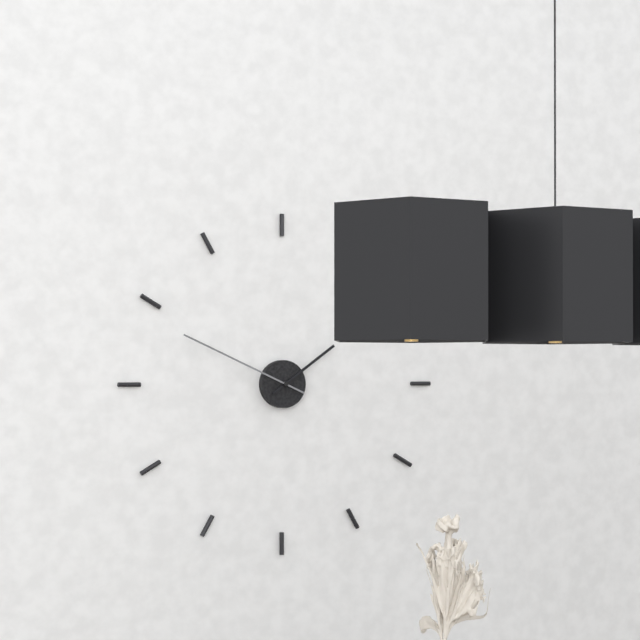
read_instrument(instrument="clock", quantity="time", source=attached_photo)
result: 1:49
